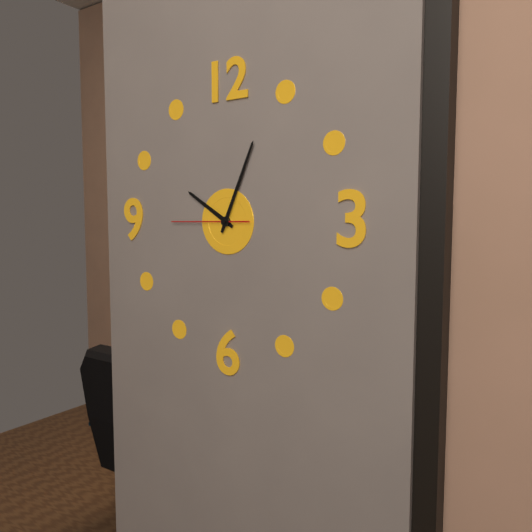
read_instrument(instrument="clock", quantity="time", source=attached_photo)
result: 10:04:45
